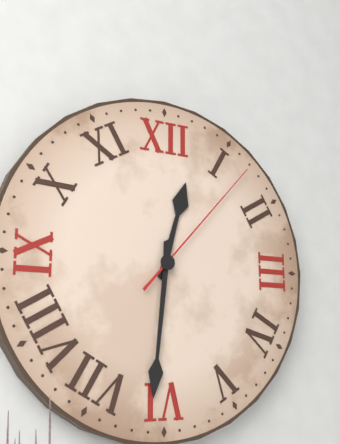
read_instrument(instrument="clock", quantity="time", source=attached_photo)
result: 12:31:07
